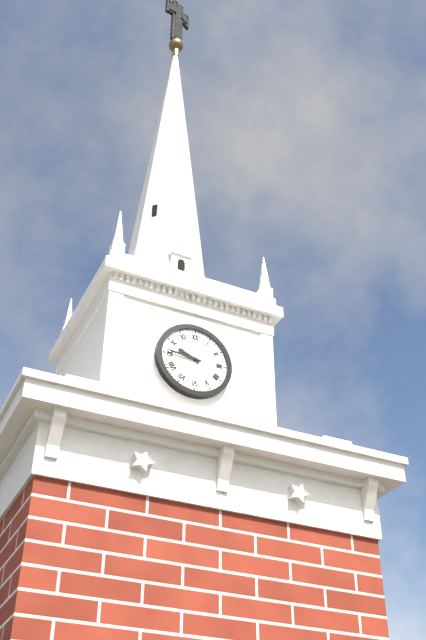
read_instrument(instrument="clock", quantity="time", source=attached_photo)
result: 9:46
